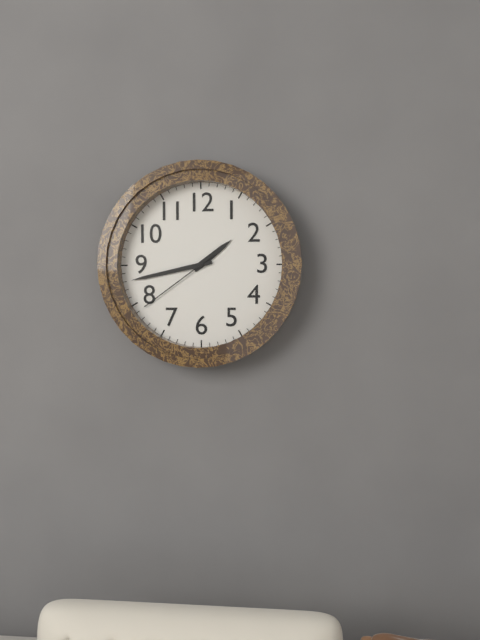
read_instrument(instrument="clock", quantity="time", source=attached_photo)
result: 1:43:39
